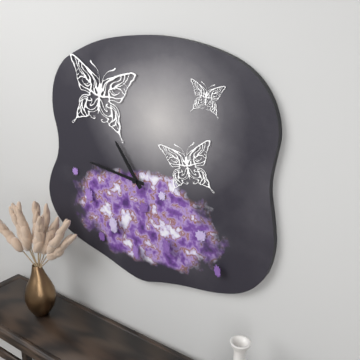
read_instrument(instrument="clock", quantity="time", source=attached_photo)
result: 10:46
